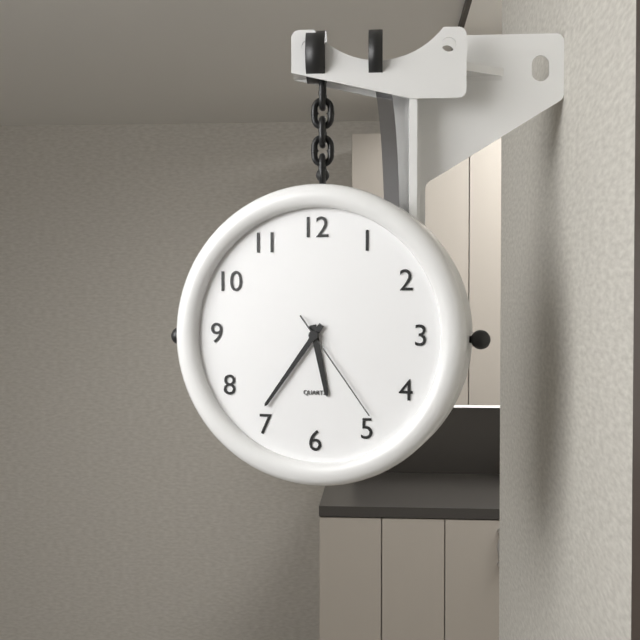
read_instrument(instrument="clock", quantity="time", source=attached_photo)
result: 5:36:24
